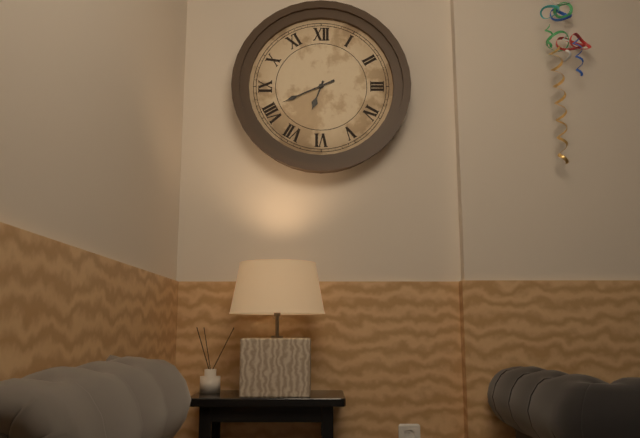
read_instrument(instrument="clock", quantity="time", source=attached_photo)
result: 6:41
